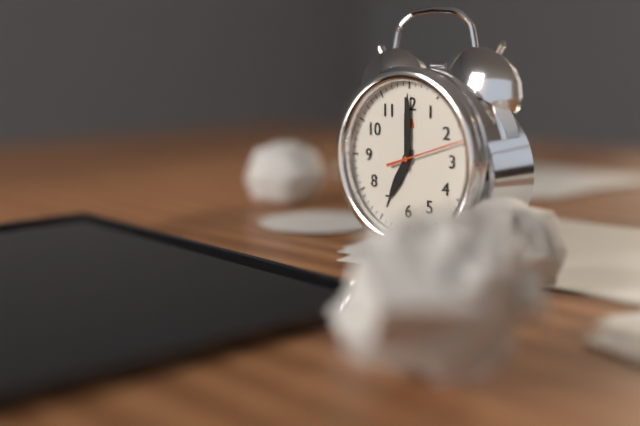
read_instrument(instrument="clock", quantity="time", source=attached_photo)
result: 7:00:12
